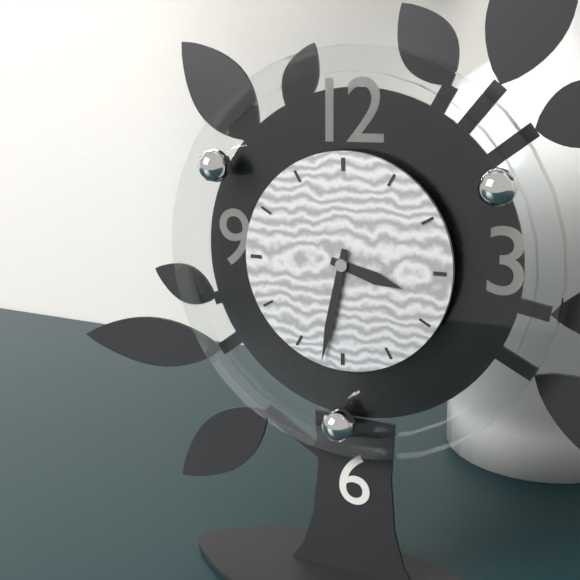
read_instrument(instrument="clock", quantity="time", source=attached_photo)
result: 3:32
